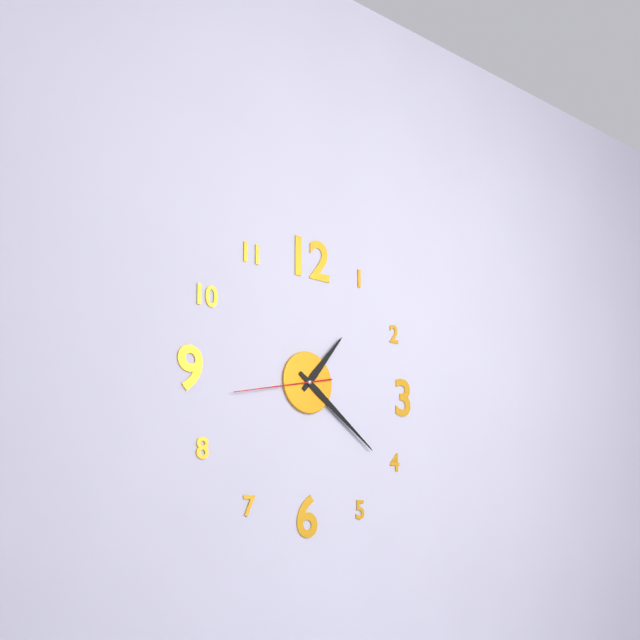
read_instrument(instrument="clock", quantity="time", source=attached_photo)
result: 1:21:43
